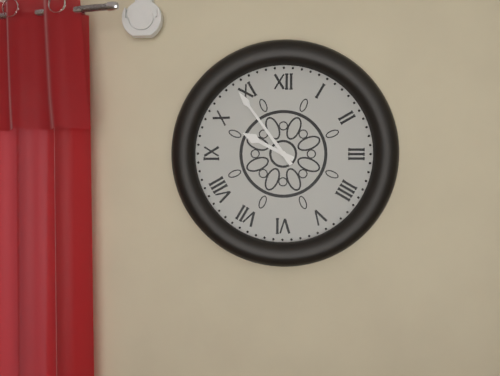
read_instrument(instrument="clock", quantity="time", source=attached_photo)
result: 9:54
